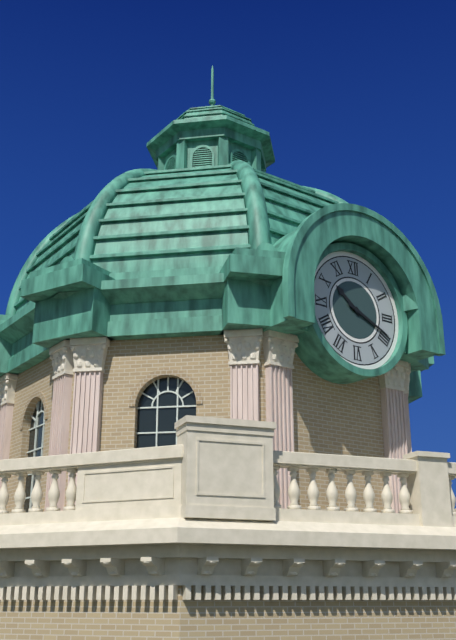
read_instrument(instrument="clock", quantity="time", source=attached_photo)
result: 10:19
